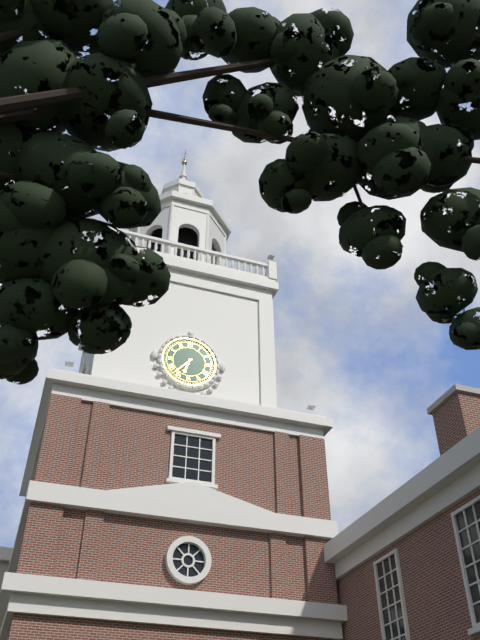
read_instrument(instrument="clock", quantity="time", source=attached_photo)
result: 6:37
